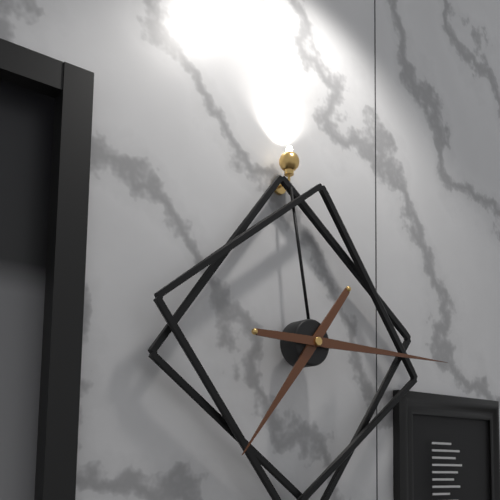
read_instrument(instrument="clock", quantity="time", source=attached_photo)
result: 7:15
